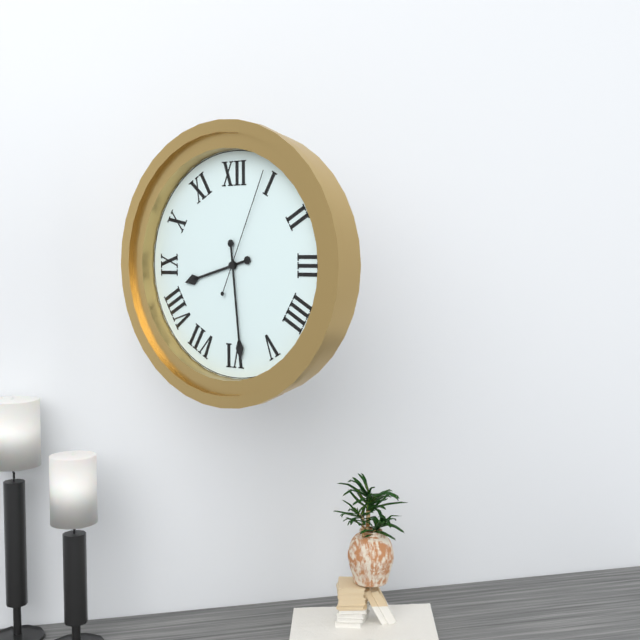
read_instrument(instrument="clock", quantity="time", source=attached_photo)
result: 8:29:04
